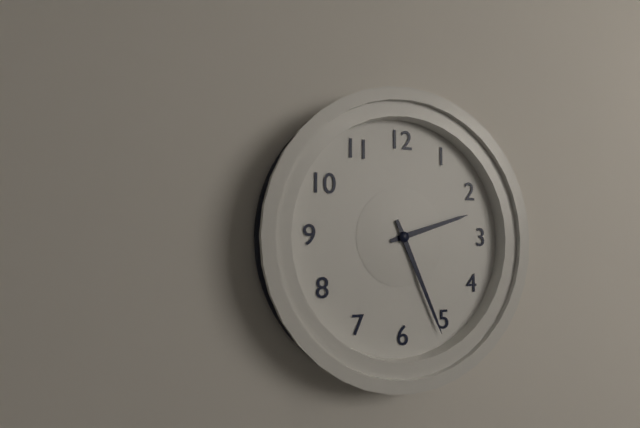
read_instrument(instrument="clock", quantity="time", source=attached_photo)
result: 2:26
